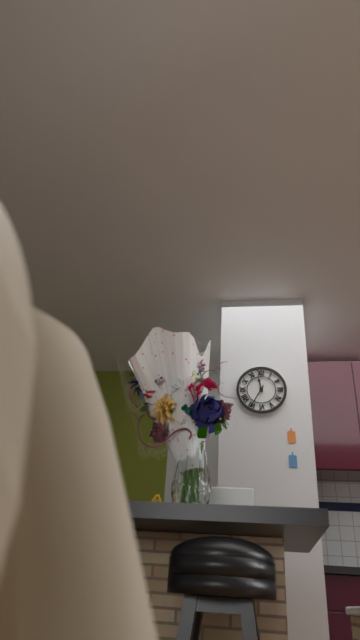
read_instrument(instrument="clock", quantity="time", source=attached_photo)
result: 11:35
